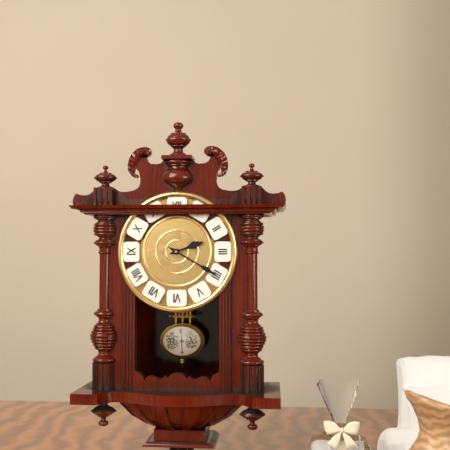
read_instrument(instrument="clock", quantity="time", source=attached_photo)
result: 2:20
